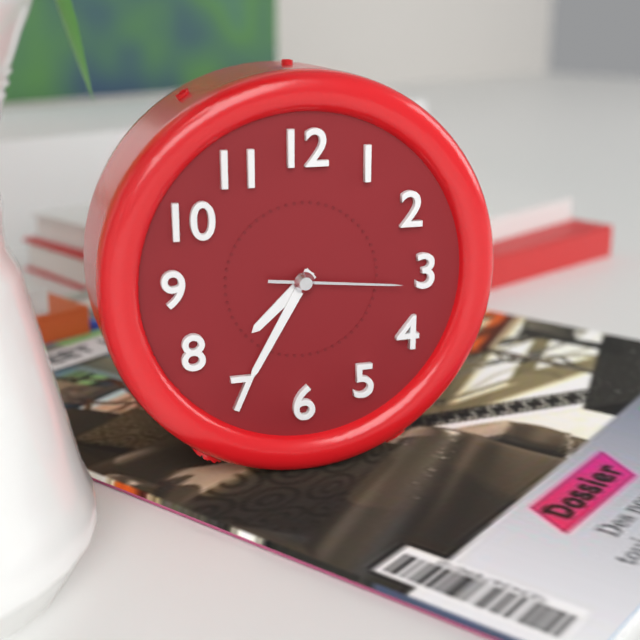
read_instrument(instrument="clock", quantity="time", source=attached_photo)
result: 7:35:16
